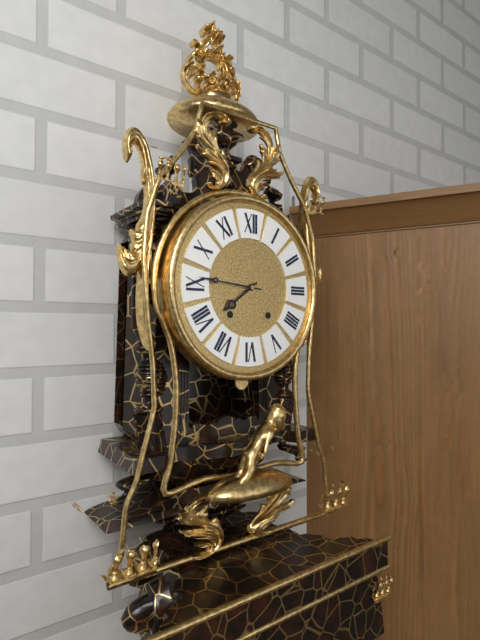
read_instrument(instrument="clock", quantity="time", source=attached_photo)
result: 7:46
